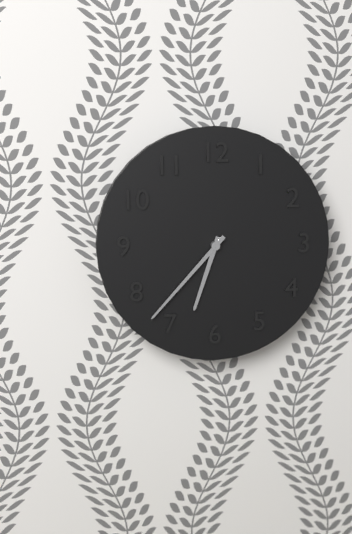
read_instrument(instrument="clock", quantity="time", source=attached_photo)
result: 6:37
